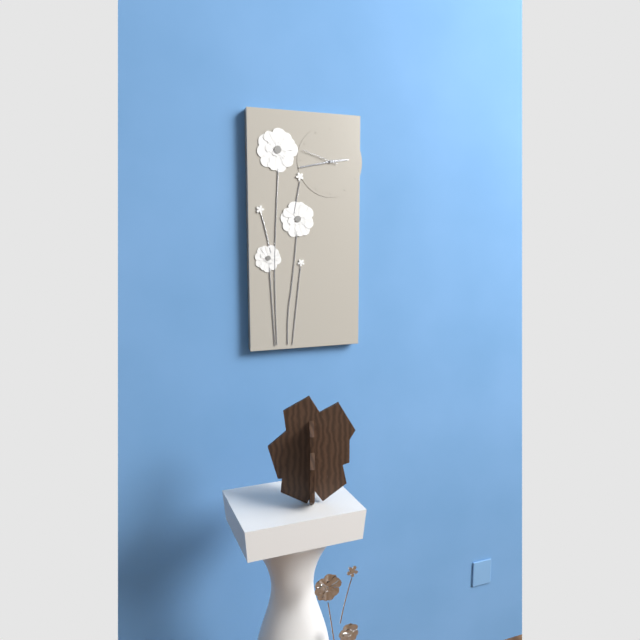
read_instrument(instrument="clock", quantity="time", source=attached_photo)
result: 2:43
